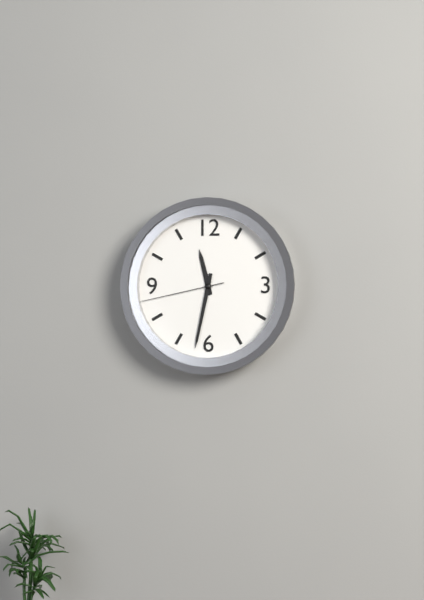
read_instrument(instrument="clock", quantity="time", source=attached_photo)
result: 11:32:43
